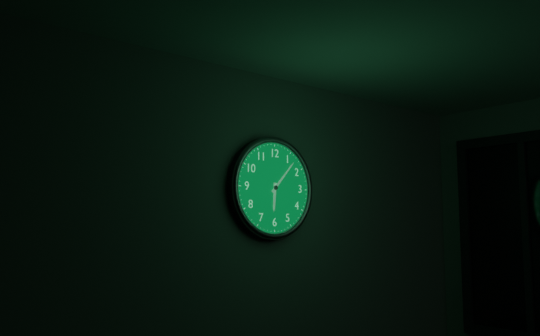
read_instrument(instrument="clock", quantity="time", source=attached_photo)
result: 6:07
